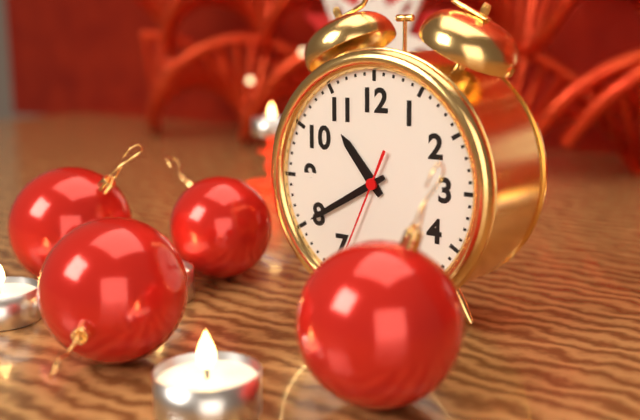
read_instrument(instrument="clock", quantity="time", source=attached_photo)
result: 10:40:34
